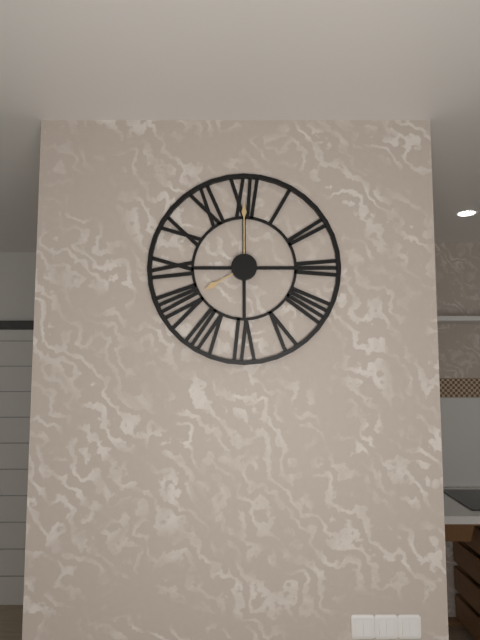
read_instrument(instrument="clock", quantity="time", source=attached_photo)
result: 8:00
